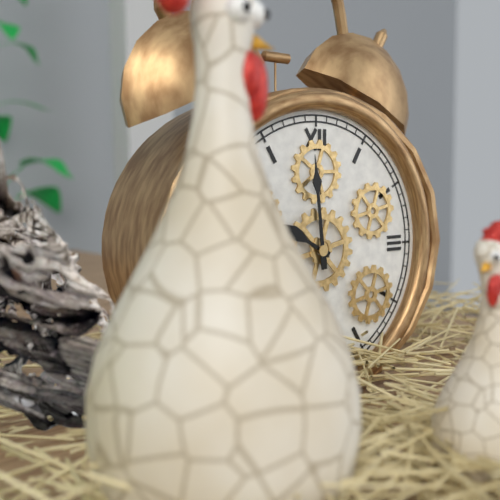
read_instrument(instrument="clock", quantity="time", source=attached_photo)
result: 9:59
